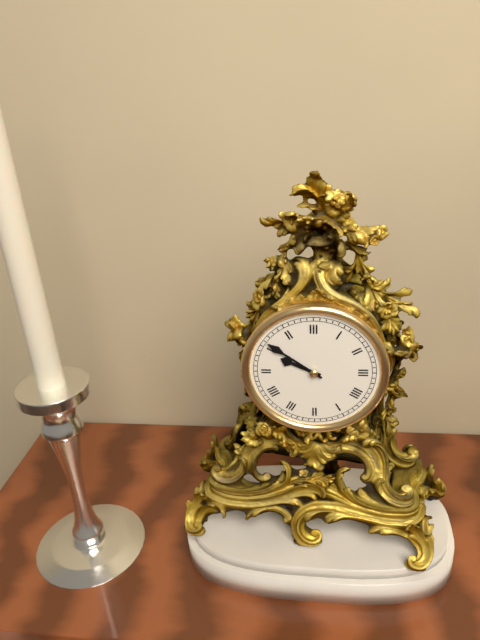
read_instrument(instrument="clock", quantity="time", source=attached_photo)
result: 9:51
